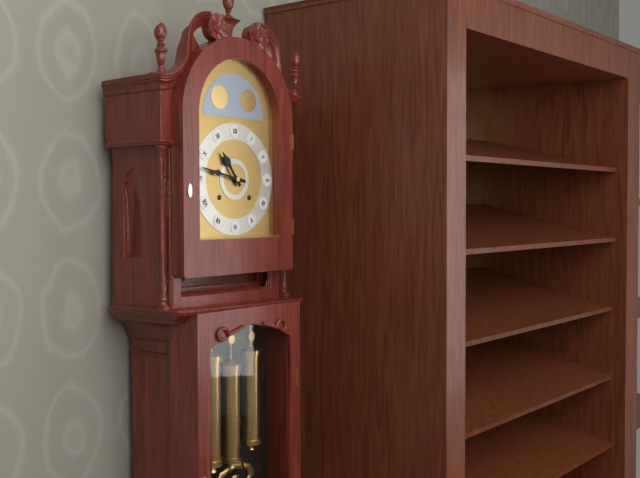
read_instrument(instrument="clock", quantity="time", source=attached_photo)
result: 10:47
